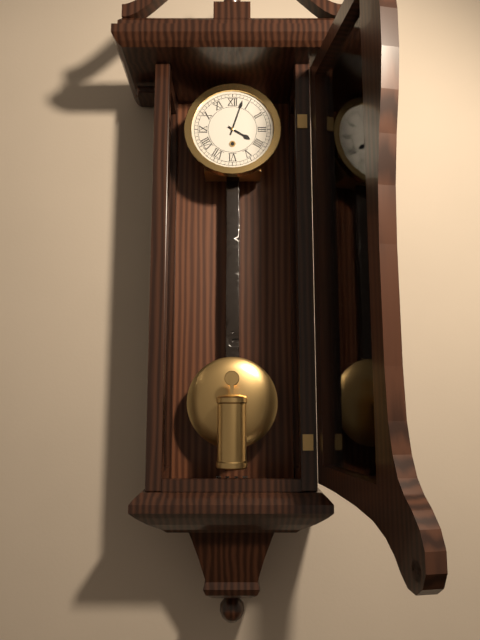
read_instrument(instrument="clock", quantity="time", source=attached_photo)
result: 4:03
